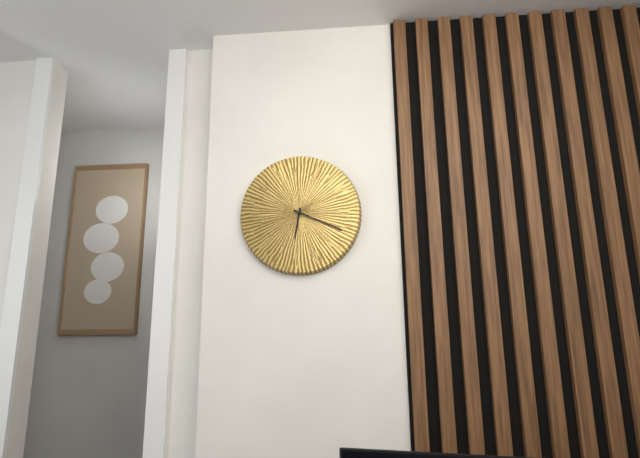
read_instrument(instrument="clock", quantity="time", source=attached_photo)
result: 6:19
